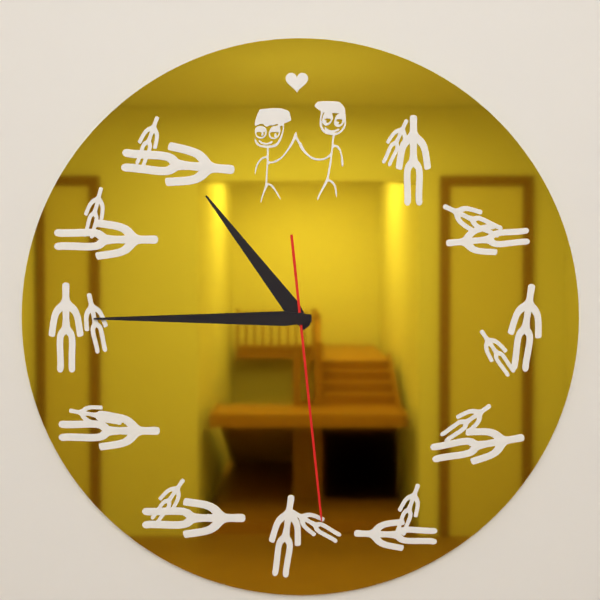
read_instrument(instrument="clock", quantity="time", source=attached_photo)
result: 10:45:29
